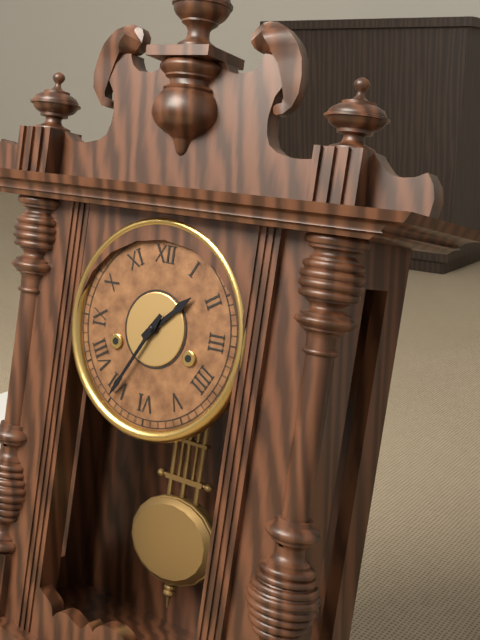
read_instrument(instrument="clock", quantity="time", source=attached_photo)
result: 1:35
